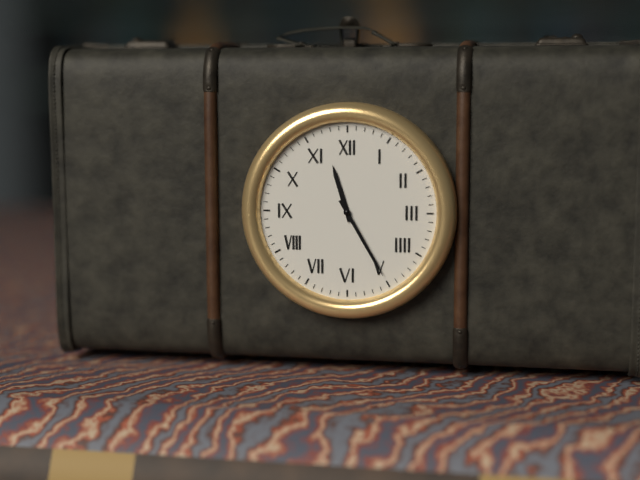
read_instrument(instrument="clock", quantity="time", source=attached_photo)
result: 11:25
